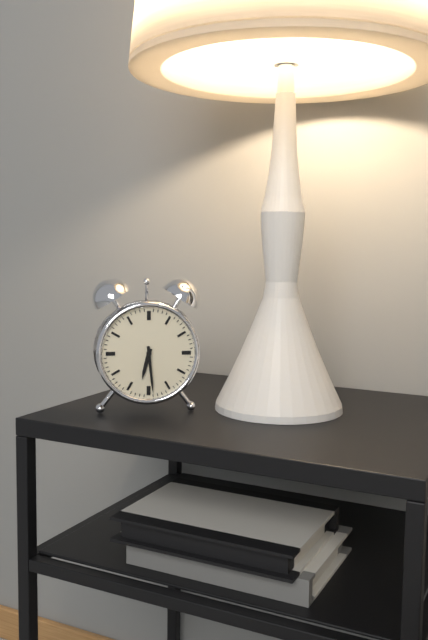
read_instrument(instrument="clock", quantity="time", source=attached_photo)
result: 6:29
